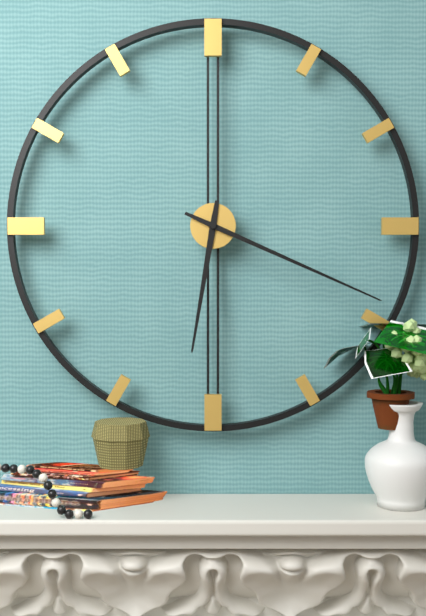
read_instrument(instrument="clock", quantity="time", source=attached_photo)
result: 6:19
